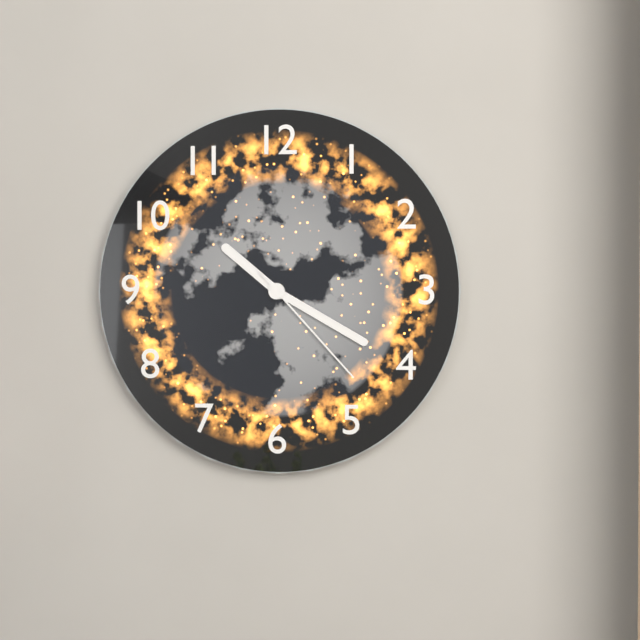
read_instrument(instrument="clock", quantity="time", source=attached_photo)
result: 10:20:23
